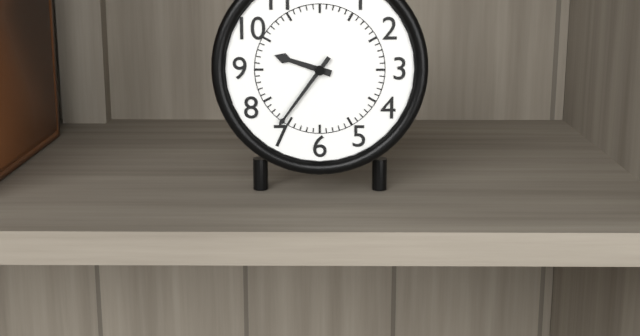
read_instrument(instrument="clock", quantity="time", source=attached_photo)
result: 9:36
